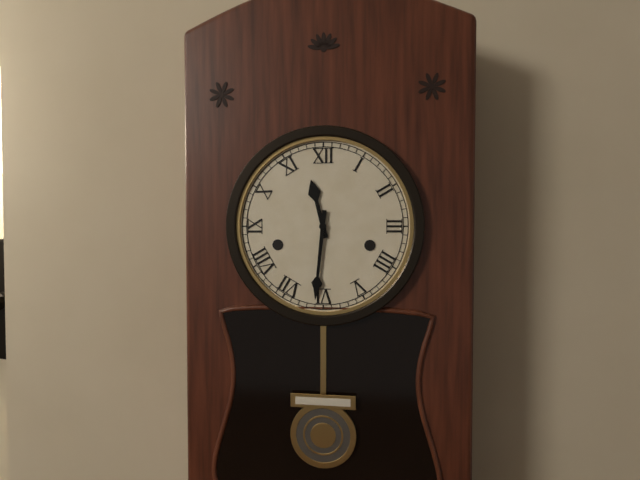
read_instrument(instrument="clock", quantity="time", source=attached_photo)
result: 11:31
